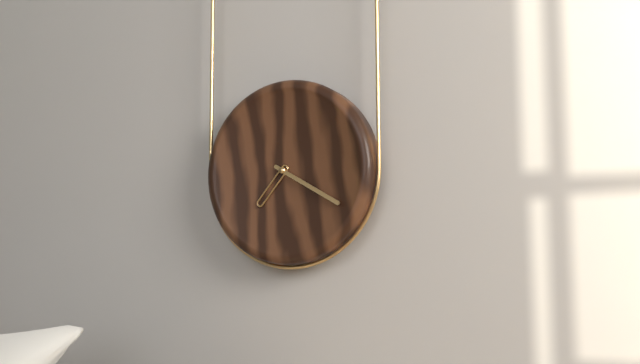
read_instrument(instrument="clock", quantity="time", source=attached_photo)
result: 7:20
